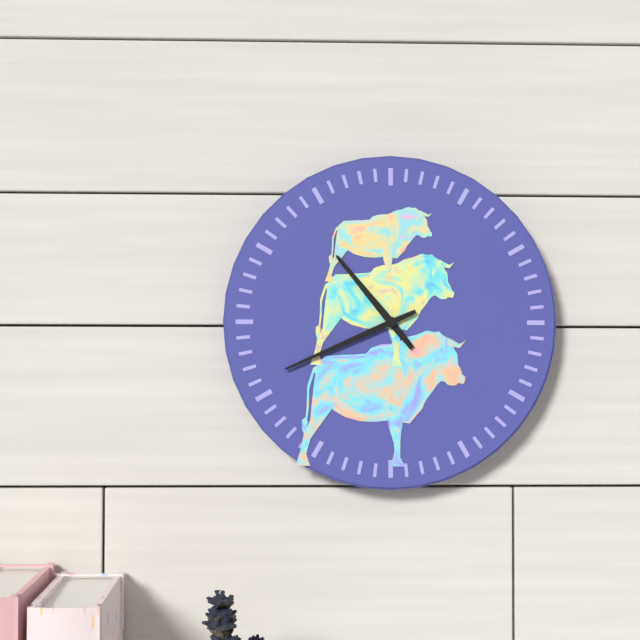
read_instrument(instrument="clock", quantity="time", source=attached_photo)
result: 10:41
